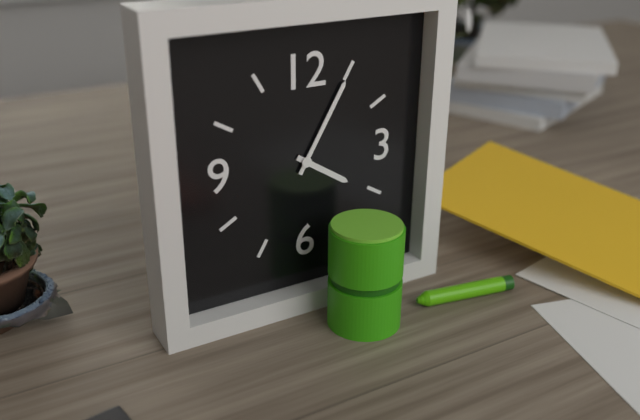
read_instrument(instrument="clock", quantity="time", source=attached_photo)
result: 4:05
